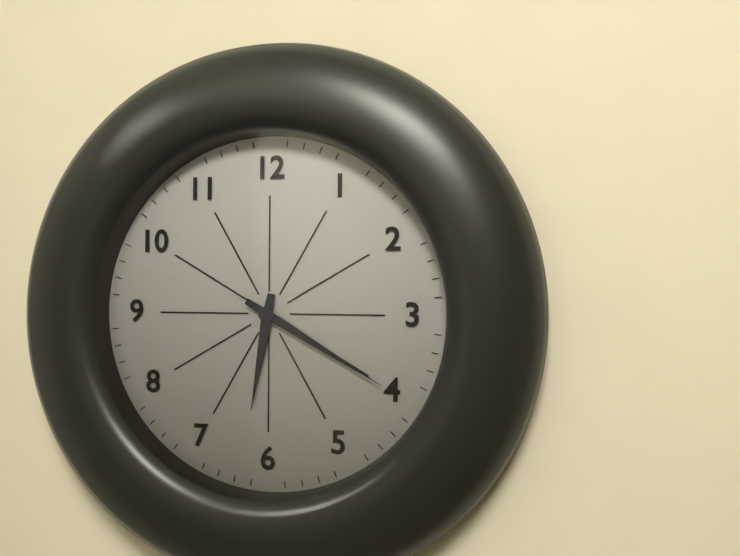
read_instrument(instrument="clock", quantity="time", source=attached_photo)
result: 6:20
